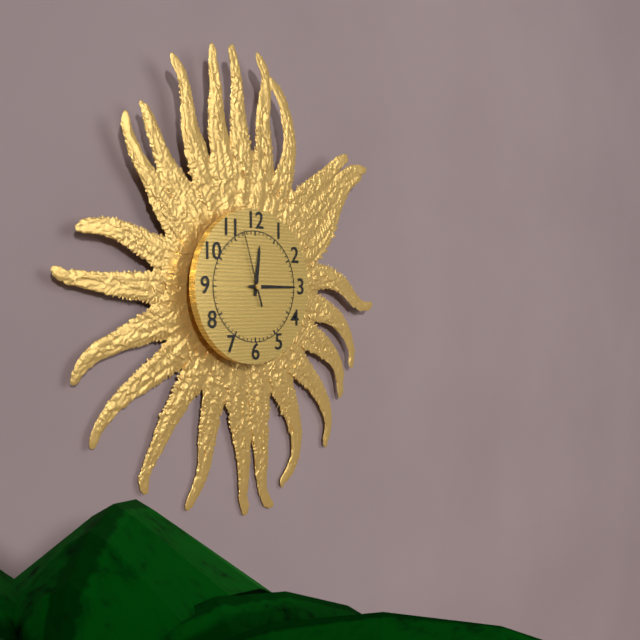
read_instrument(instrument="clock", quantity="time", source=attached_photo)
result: 12:15:57
